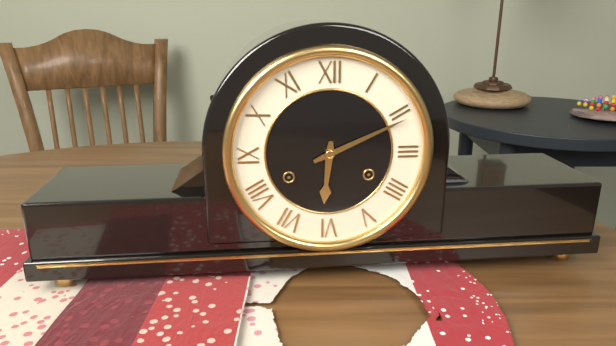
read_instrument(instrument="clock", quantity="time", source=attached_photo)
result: 6:11
